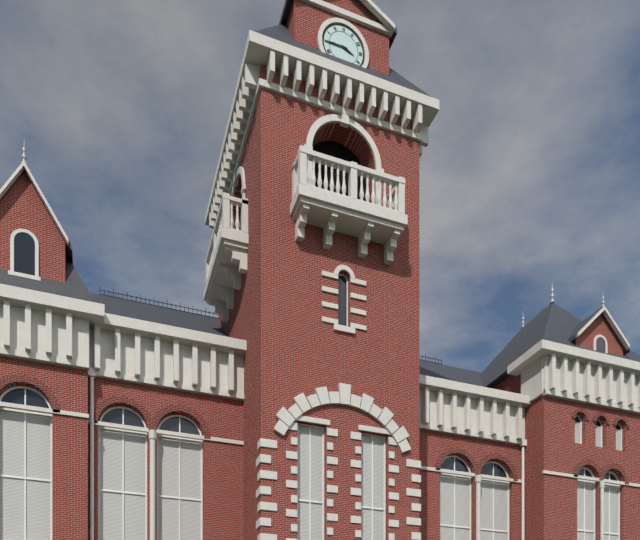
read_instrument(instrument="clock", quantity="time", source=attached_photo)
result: 3:45
